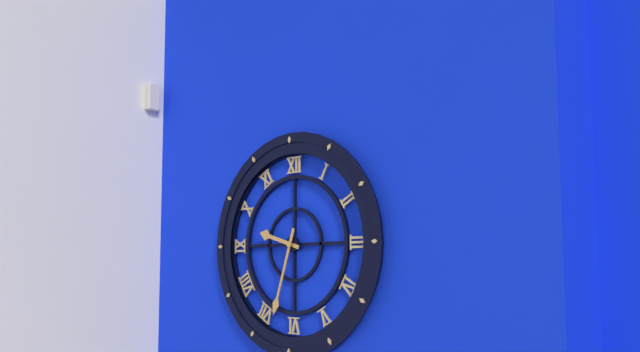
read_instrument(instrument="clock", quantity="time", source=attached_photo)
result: 9:33
